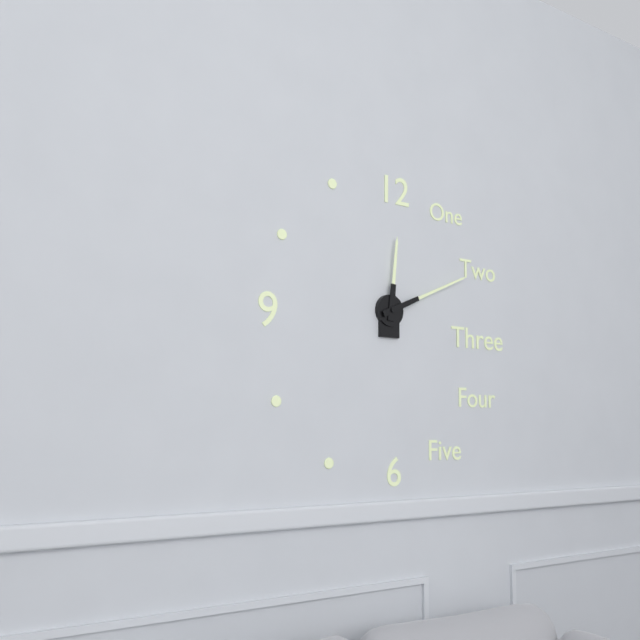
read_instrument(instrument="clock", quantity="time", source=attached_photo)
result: 12:11
